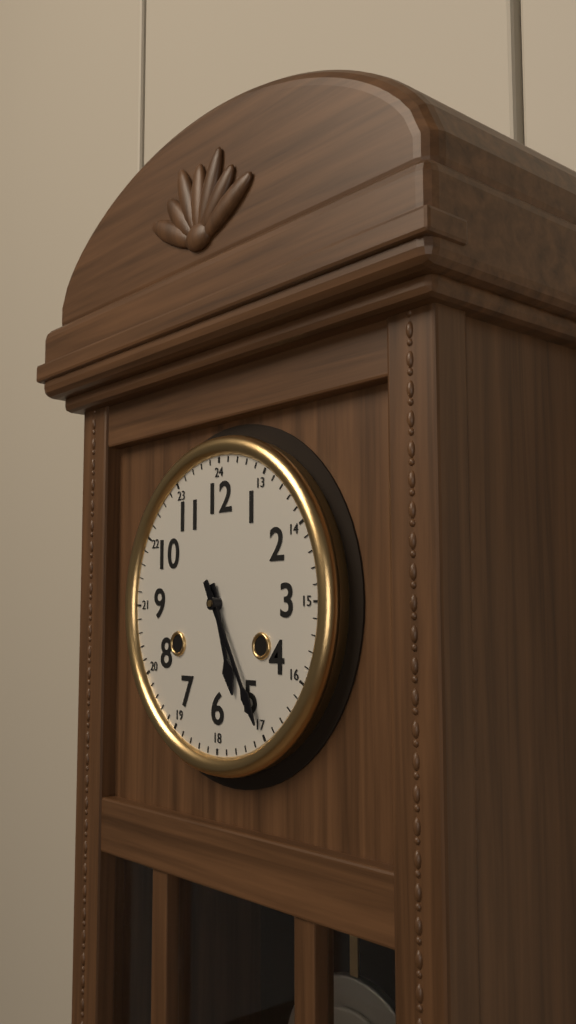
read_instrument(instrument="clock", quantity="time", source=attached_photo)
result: 5:25
